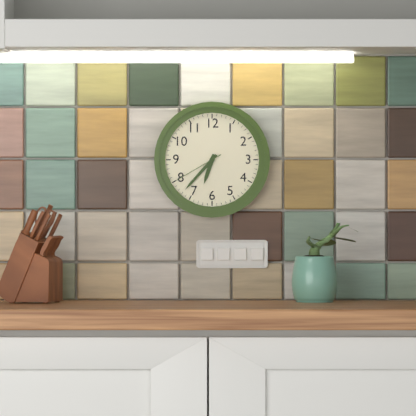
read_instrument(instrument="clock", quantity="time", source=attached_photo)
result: 6:37:40
